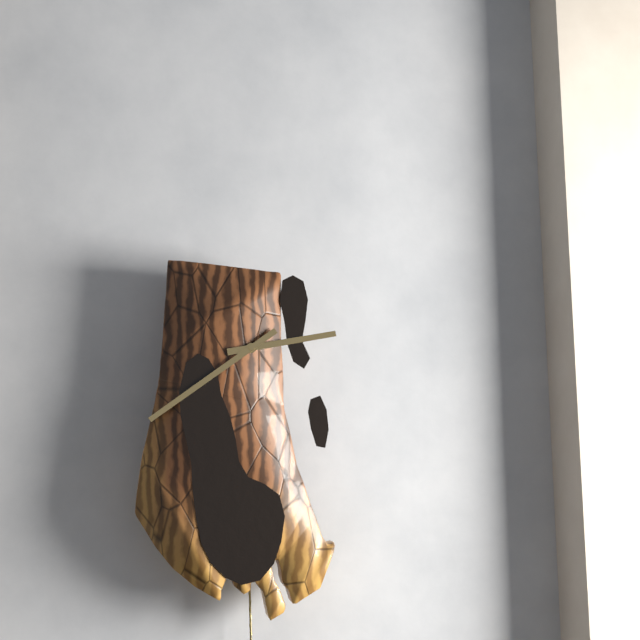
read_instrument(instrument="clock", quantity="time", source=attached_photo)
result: 2:39
